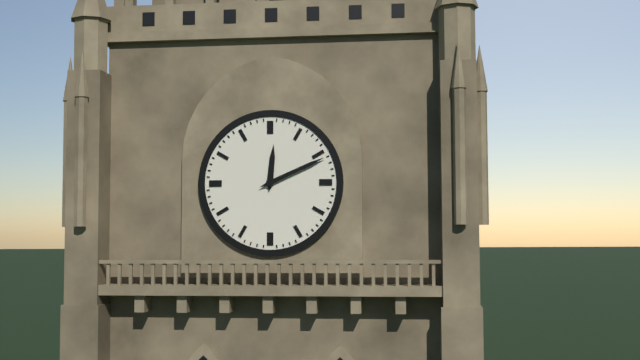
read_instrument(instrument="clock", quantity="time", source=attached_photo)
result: 12:11
